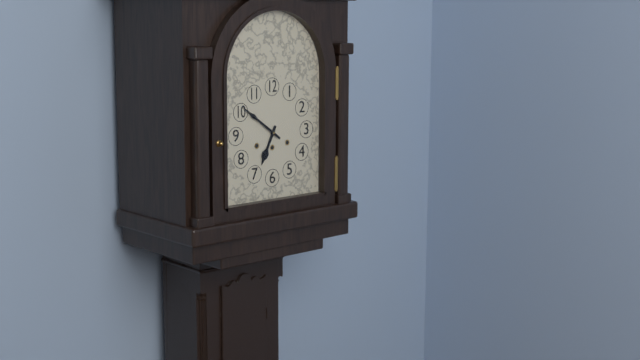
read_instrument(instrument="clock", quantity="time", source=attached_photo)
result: 6:51
